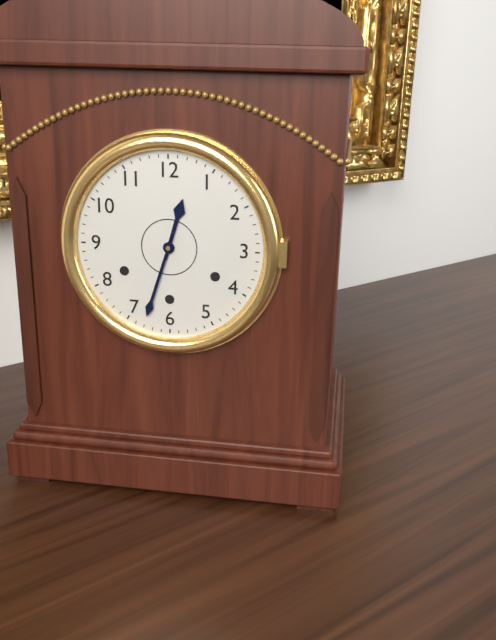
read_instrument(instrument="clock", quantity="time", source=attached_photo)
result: 12:33
